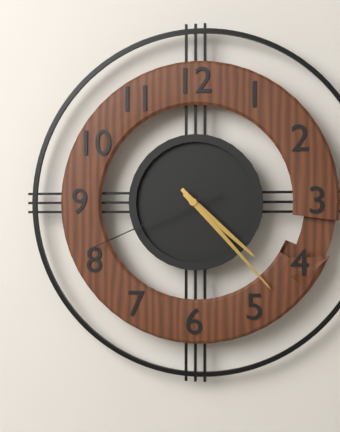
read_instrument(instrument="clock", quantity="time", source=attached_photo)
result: 4:23:41
